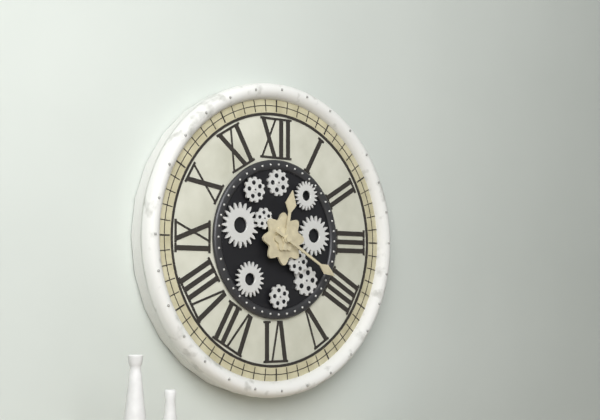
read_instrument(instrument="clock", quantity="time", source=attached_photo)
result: 12:20
